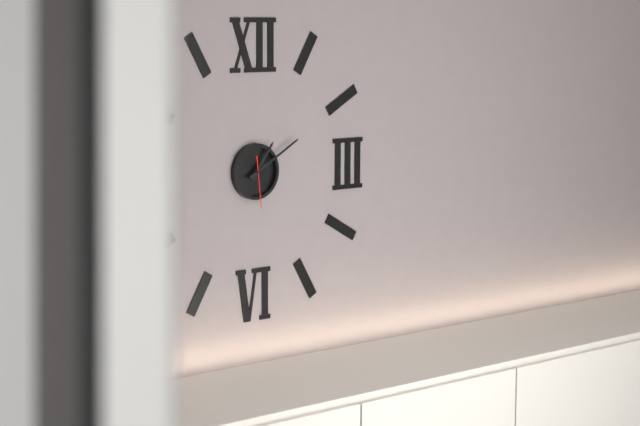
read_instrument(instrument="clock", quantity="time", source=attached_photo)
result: 1:10
